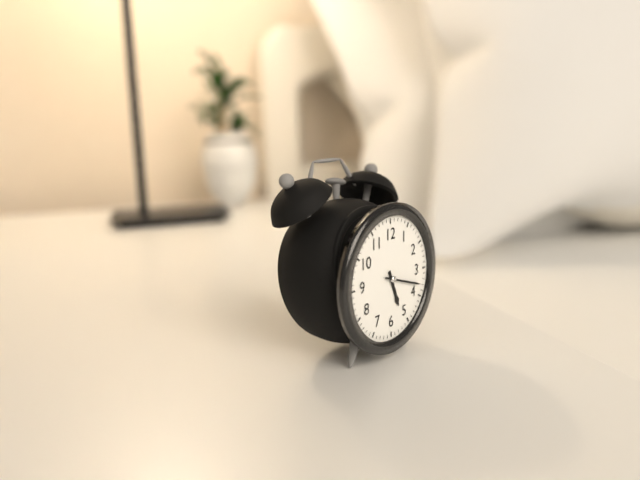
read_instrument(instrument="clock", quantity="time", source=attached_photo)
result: 5:18
